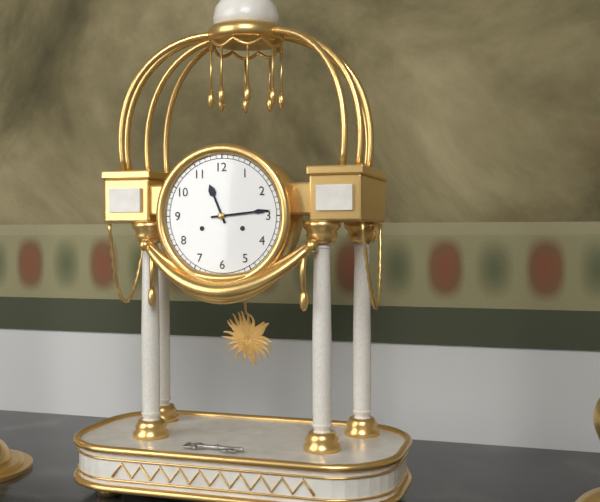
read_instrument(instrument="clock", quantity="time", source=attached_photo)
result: 11:14
